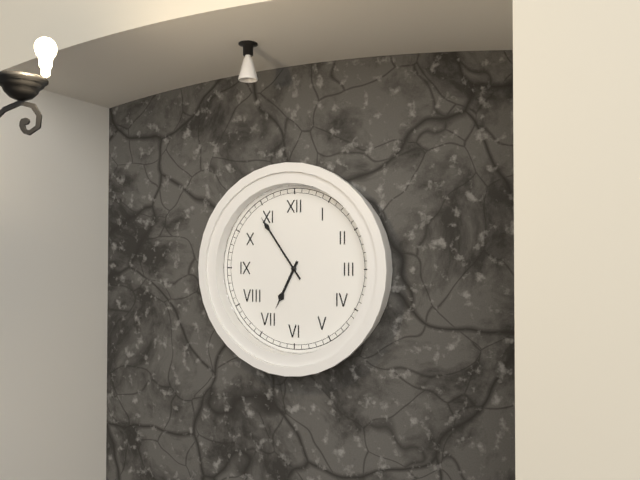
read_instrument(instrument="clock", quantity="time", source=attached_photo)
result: 6:54
